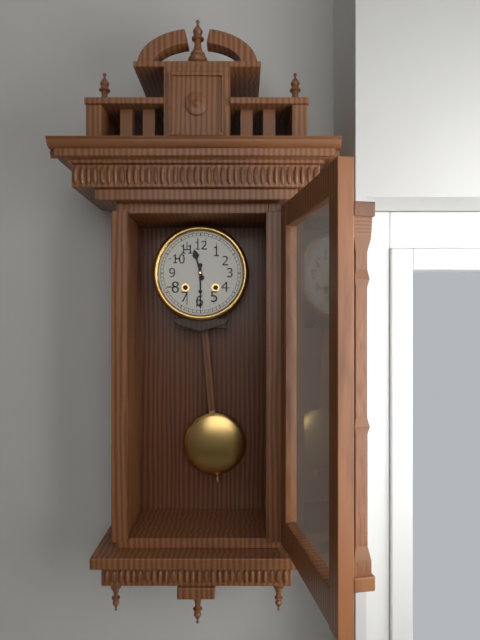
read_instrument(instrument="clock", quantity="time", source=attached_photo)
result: 11:30
